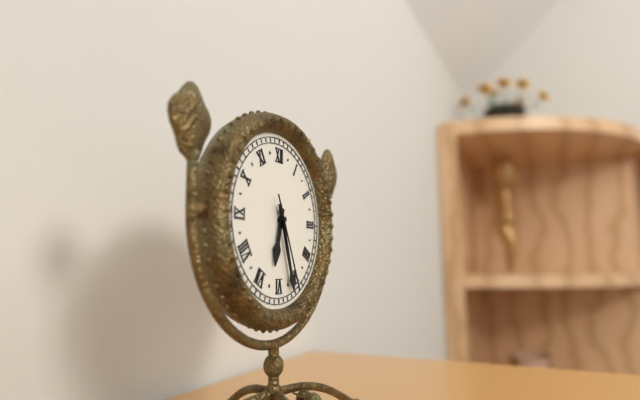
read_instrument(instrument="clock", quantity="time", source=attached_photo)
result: 6:27:26
